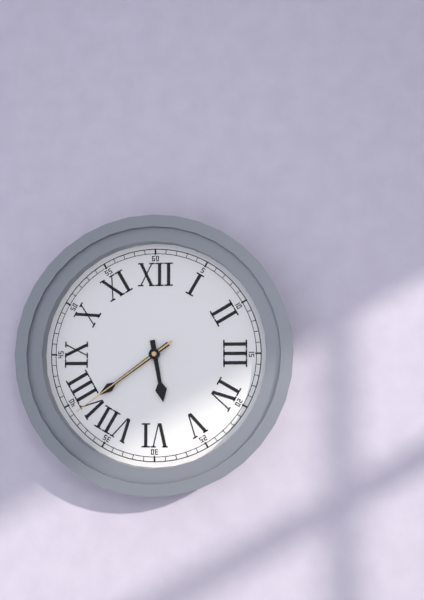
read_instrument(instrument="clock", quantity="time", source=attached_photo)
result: 5:39:39
